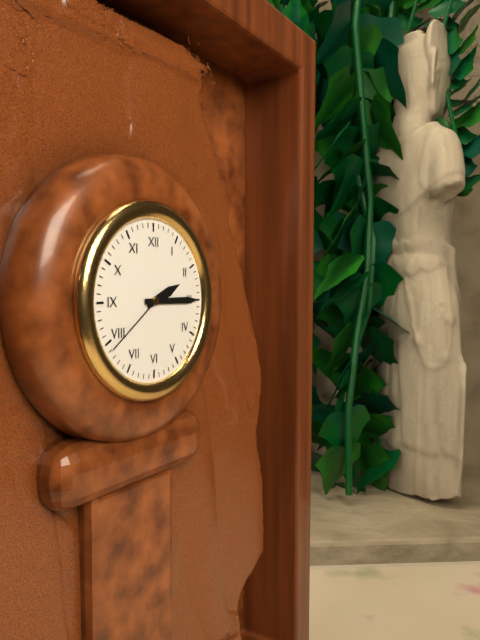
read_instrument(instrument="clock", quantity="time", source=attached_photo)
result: 2:15:39
